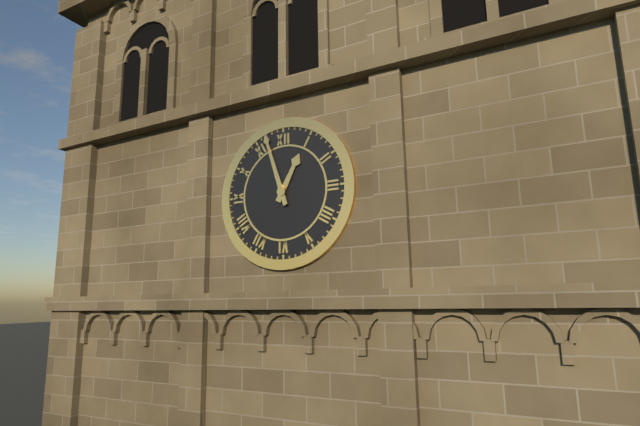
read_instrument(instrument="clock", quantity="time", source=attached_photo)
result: 12:57
